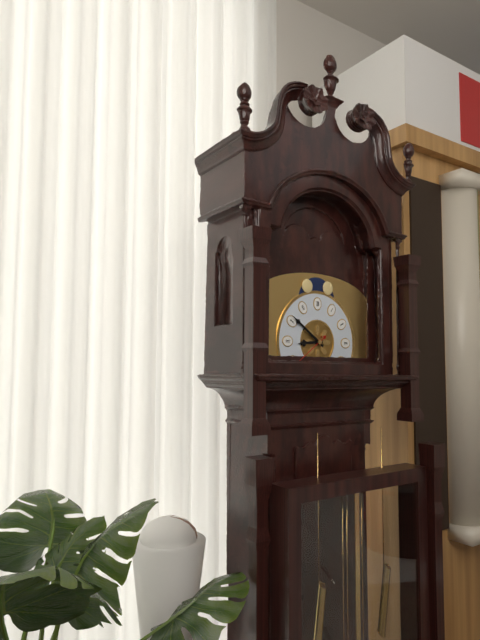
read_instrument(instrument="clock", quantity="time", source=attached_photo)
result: 8:51
